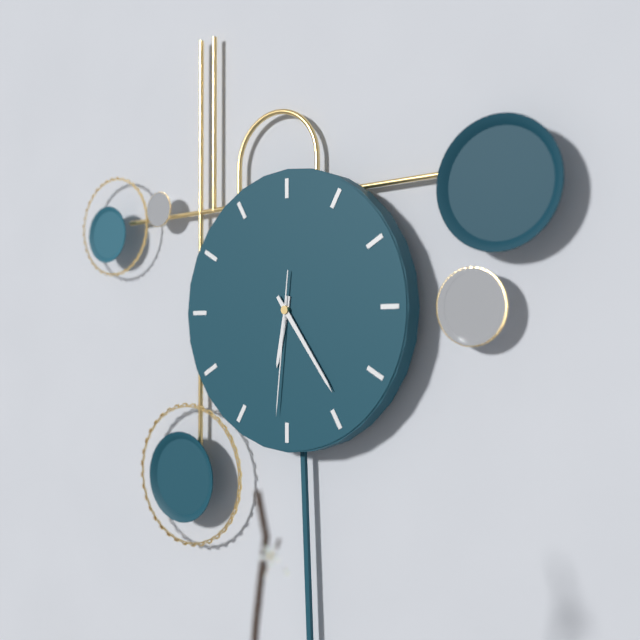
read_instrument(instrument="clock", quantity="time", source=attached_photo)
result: 6:24:31
